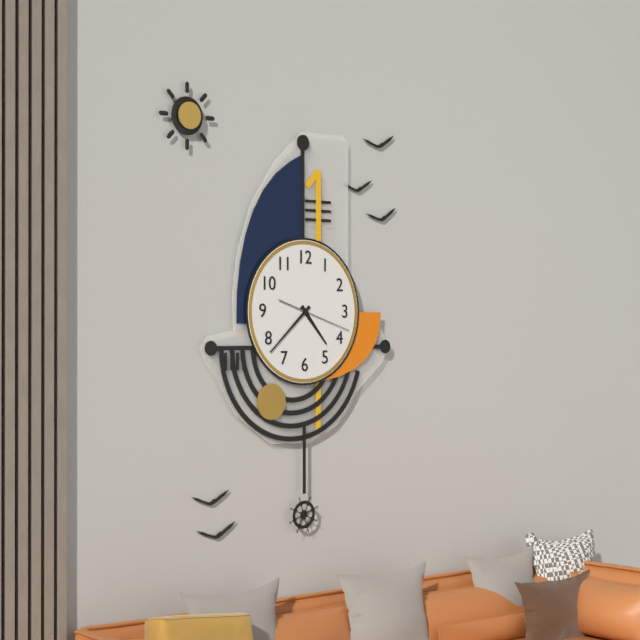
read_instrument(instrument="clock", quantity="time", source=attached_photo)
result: 4:38:18
